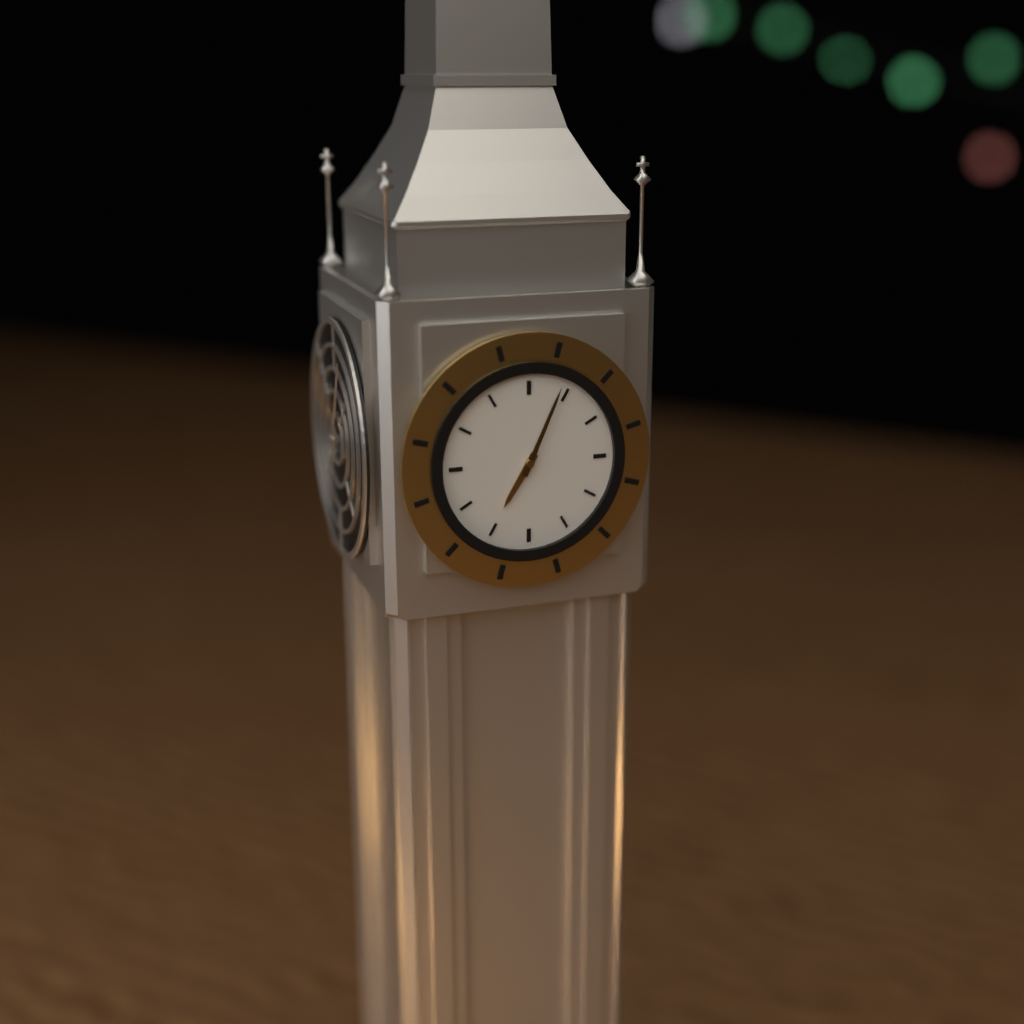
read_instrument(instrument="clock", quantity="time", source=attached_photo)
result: 7:04
